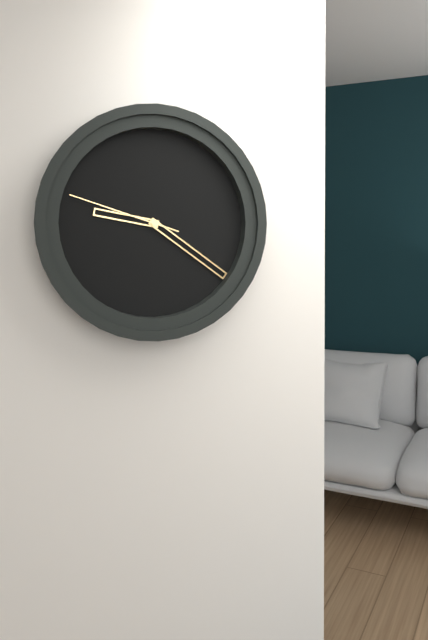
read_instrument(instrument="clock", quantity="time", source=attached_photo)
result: 9:21:48
